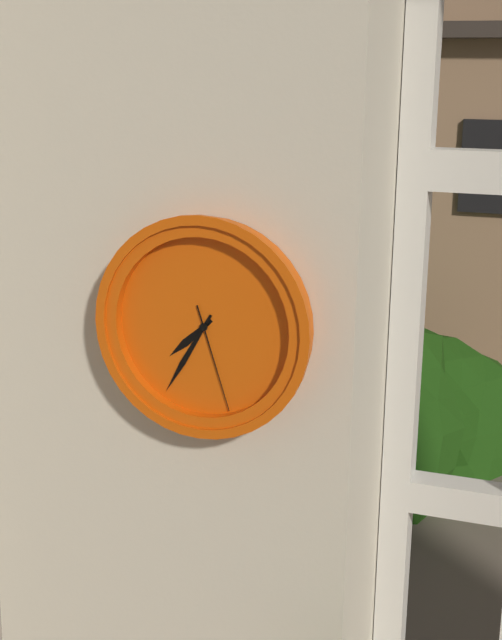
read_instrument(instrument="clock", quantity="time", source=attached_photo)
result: 7:35:27
